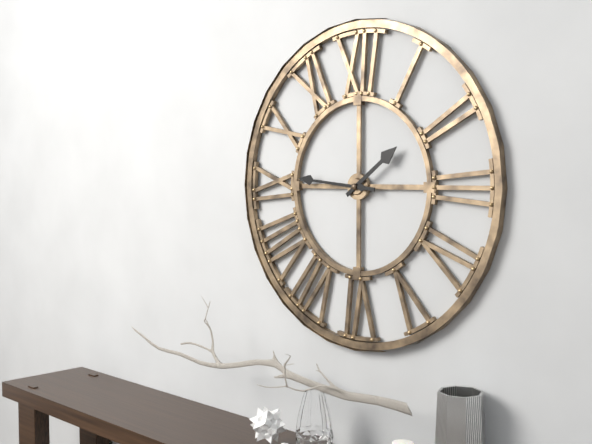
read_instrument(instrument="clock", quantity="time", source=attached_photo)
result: 1:46
